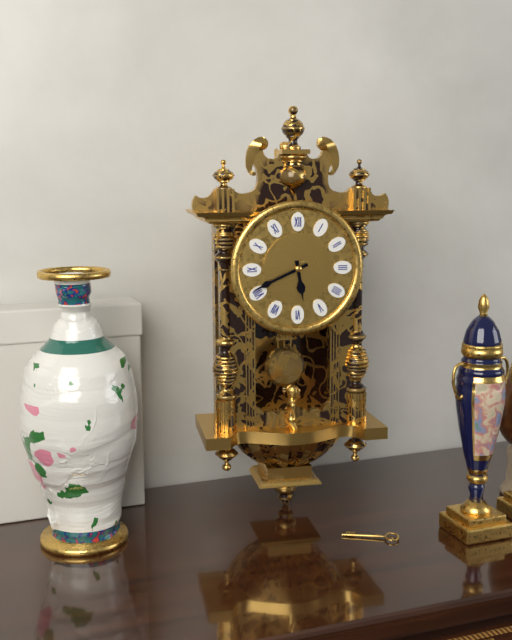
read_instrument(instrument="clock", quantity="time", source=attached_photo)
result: 5:41
